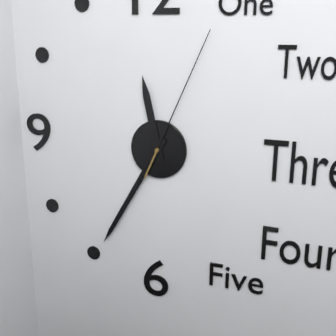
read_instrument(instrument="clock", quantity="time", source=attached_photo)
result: 11:35:04
